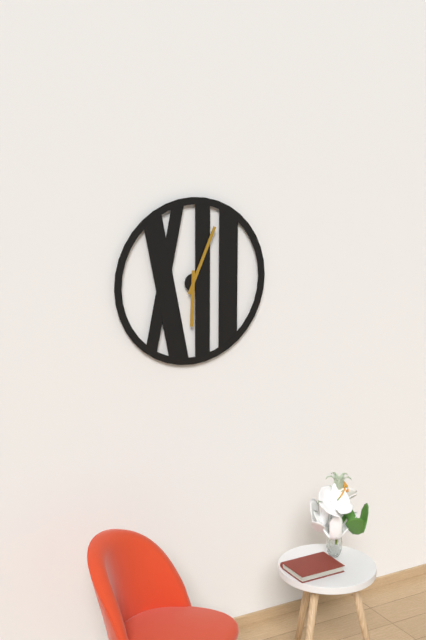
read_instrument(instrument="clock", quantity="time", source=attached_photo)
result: 6:04
